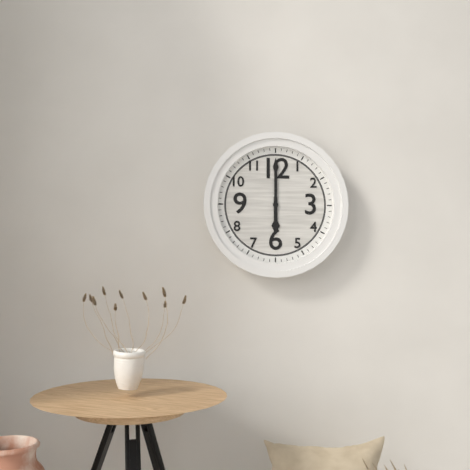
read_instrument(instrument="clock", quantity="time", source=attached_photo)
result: 6:00
